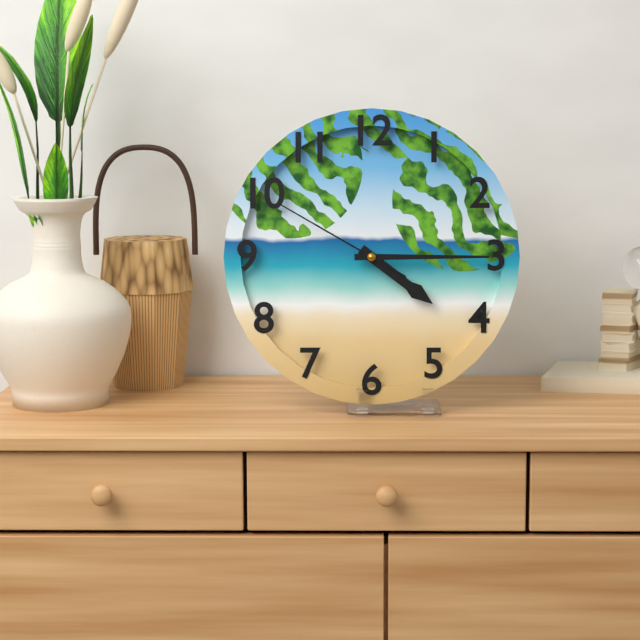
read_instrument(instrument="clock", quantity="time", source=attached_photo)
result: 4:15:50
